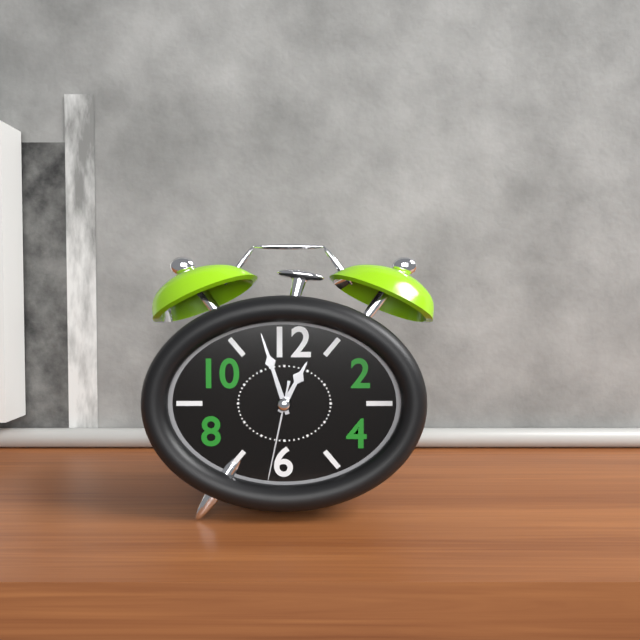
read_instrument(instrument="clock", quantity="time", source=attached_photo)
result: 12:57:32
